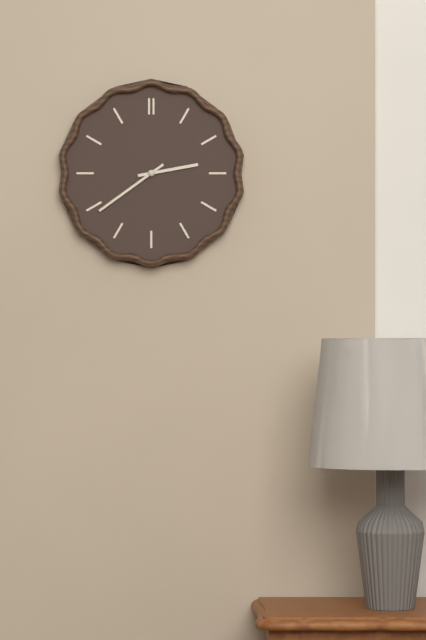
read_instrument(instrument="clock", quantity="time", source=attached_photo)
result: 2:39
